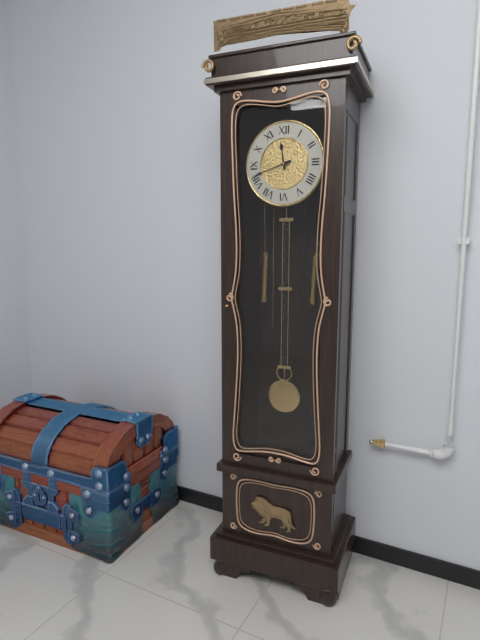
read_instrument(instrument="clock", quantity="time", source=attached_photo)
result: 11:42
